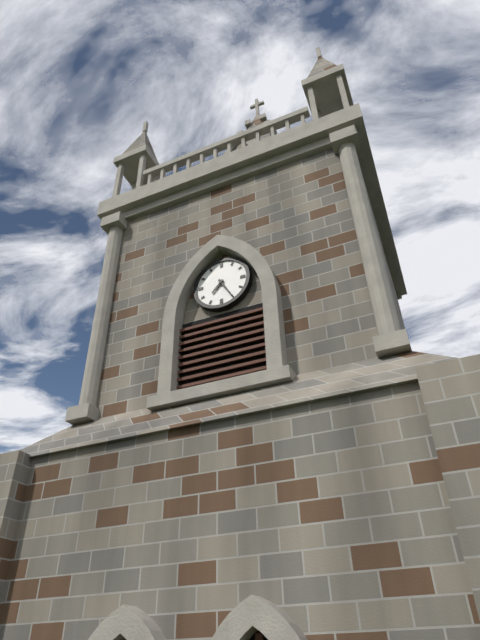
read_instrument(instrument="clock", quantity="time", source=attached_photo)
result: 7:25
